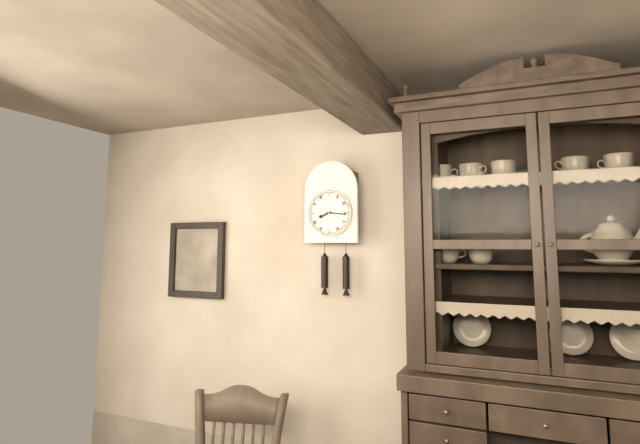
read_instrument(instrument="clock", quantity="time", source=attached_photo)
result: 8:16
